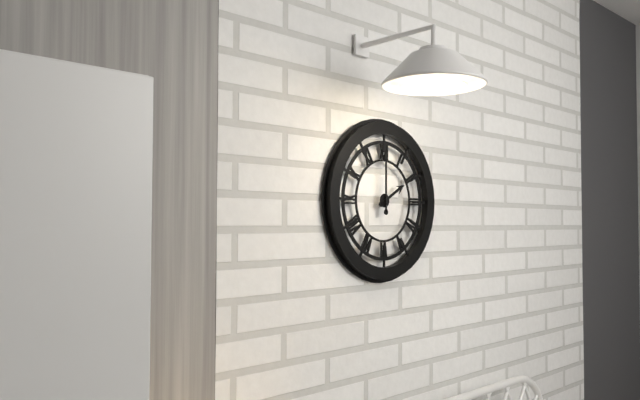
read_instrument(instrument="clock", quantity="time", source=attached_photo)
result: 2:00
